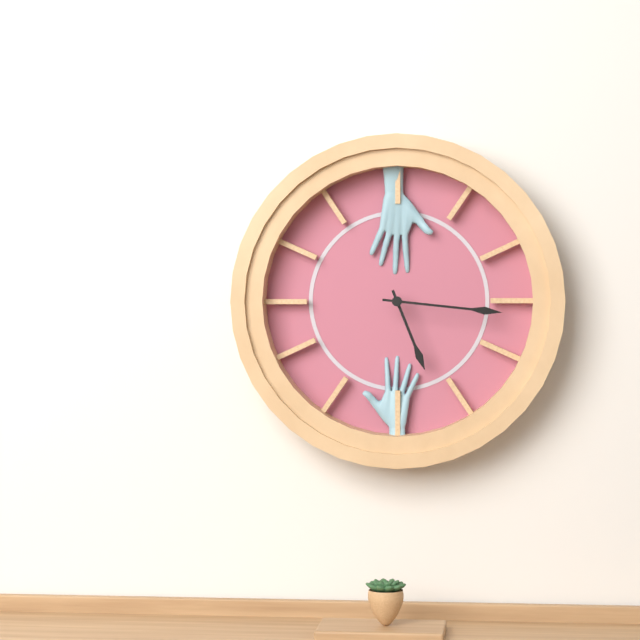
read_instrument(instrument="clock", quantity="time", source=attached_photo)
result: 5:16
